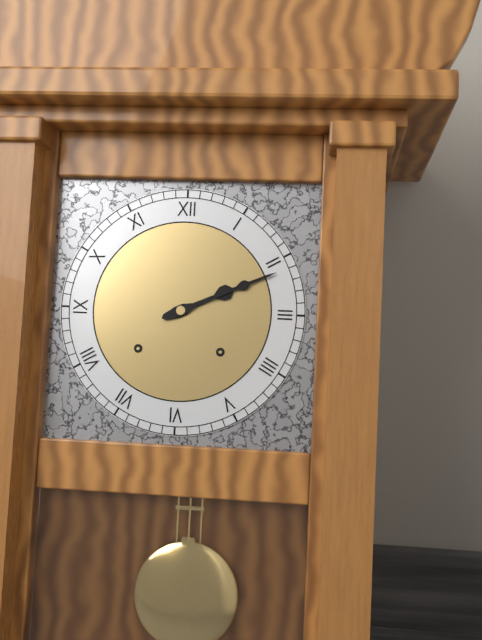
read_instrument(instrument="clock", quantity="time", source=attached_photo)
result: 2:11
